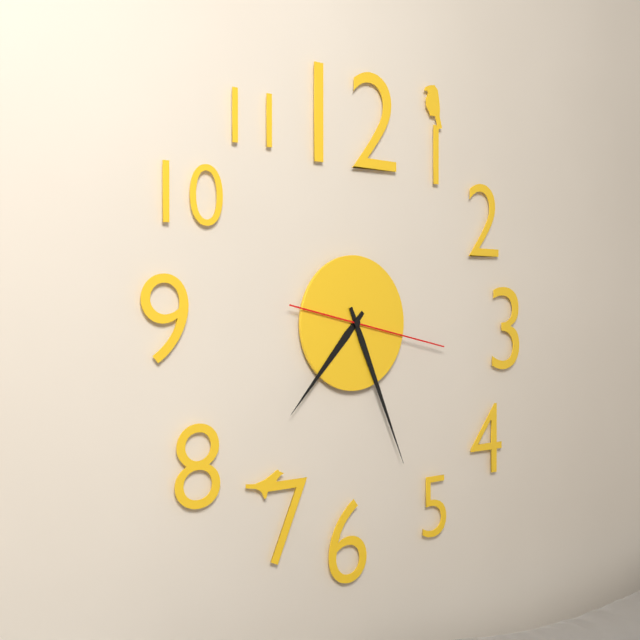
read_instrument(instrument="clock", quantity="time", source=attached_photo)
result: 7:26:17
